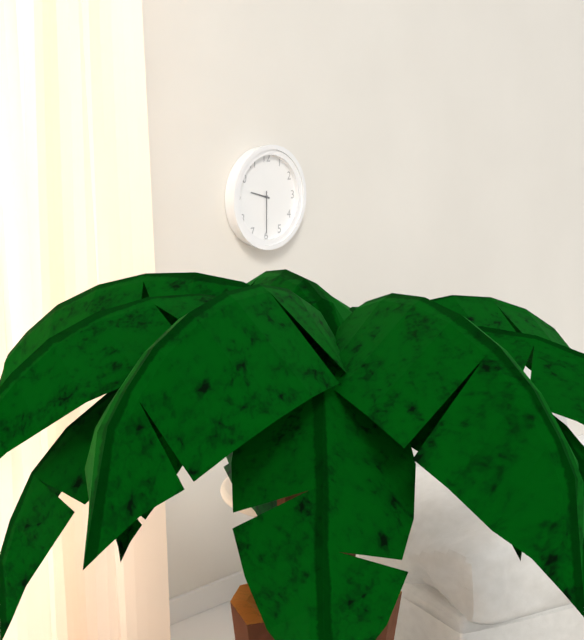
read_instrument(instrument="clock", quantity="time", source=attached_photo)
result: 9:30
